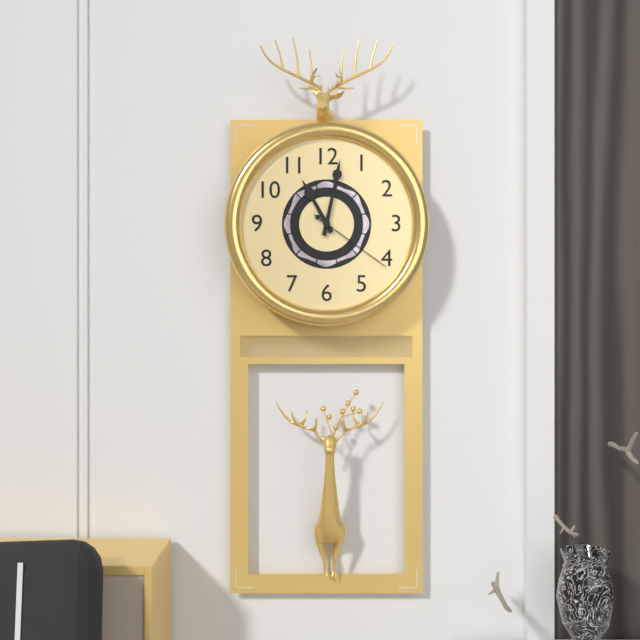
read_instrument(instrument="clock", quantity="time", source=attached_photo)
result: 11:02:21
